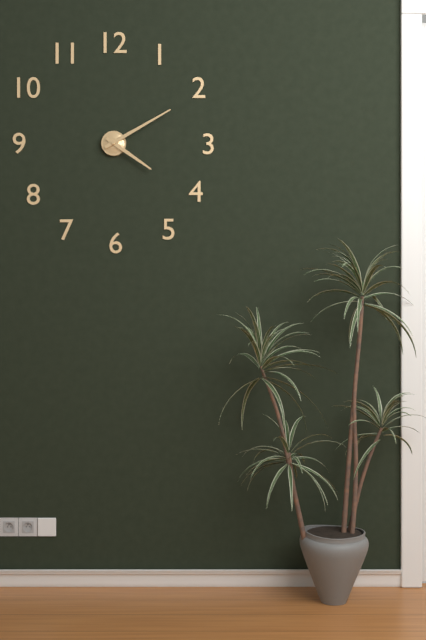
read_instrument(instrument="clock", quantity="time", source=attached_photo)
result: 4:10
